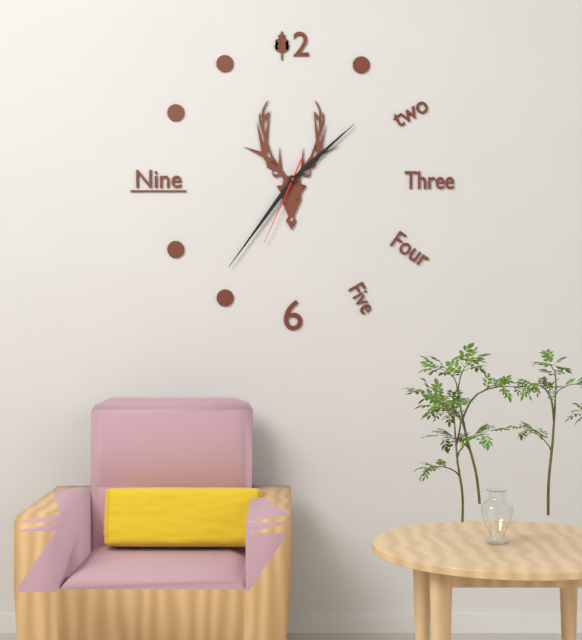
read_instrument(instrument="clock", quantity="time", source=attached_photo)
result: 1:36:34
